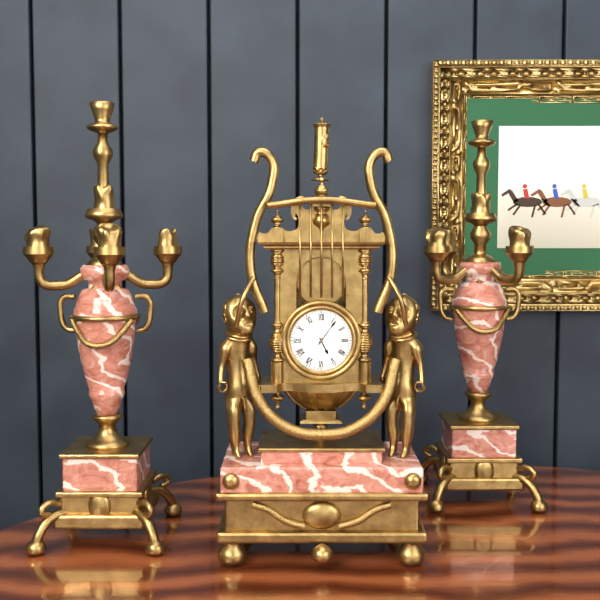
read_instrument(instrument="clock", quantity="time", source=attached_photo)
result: 5:06
